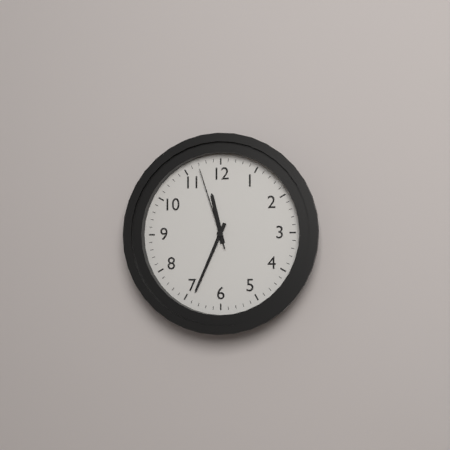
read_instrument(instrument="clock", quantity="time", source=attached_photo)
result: 11:34:57
